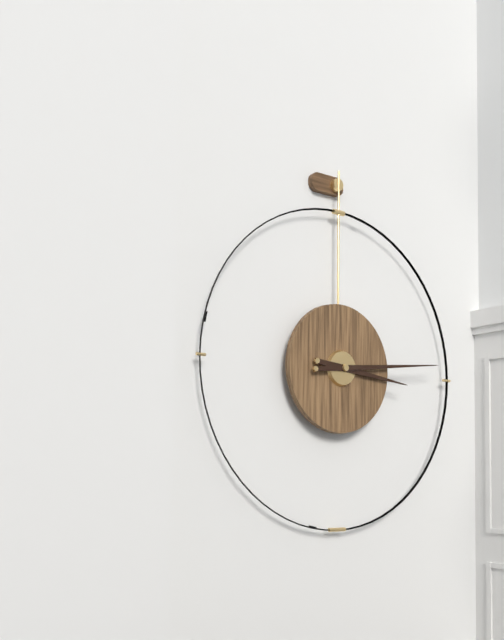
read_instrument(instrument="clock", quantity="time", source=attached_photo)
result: 3:14
